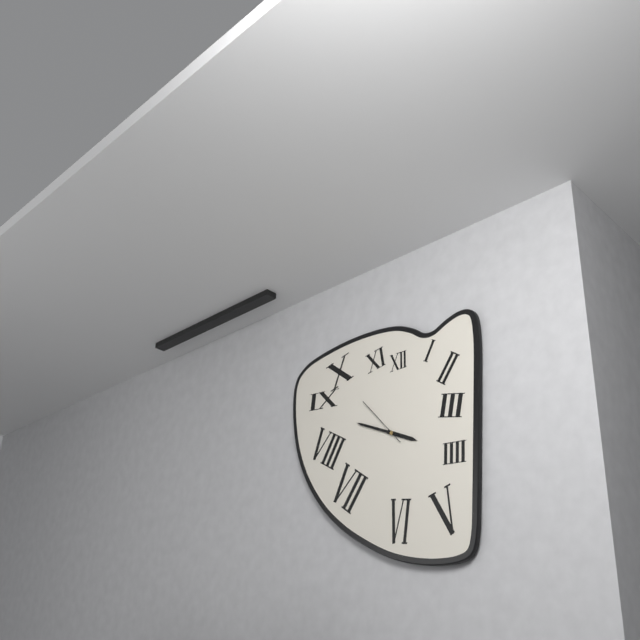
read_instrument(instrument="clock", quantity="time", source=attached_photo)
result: 3:49:53
